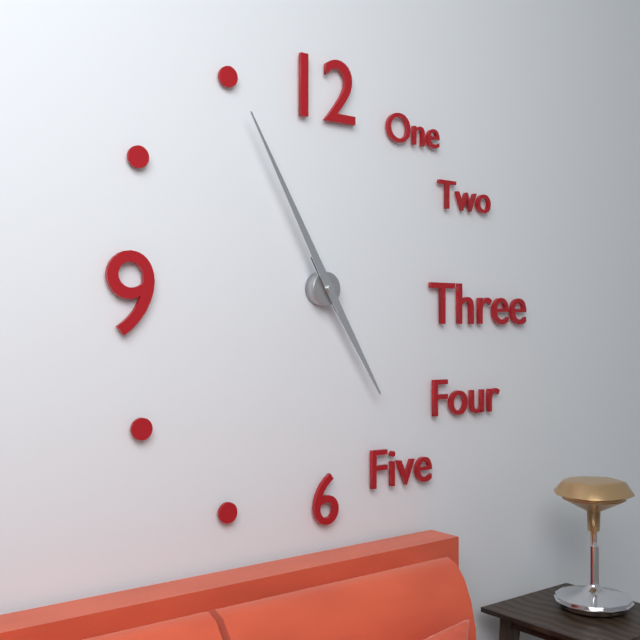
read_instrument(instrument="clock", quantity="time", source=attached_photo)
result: 4:55
